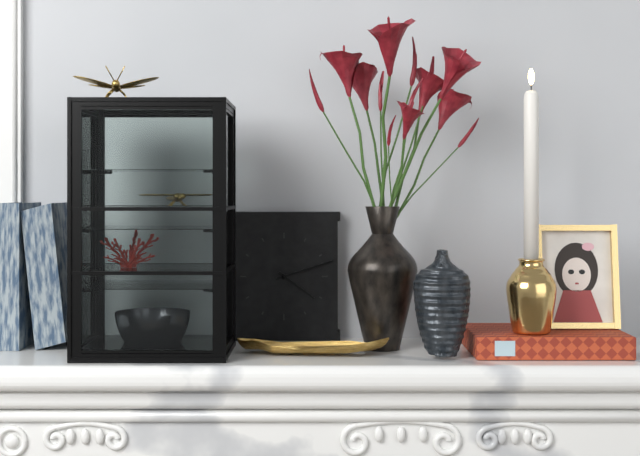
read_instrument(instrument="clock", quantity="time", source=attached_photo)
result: 4:12
